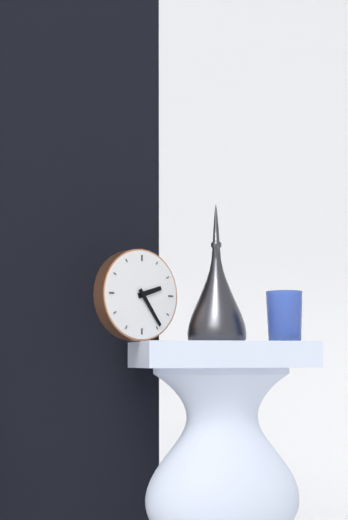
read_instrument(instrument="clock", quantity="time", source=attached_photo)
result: 2:24
